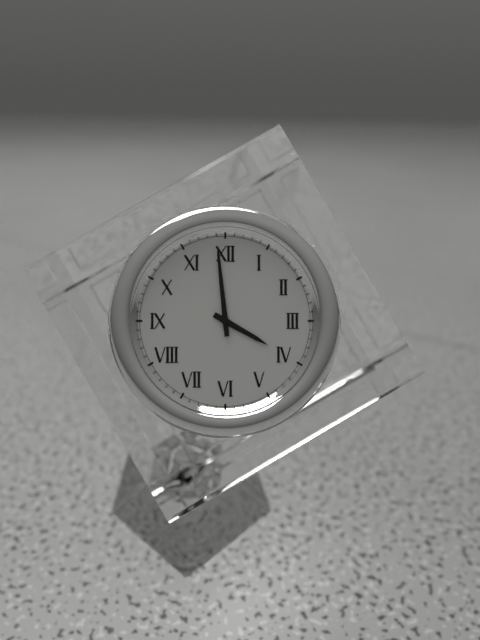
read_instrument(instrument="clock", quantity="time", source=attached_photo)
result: 3:59
